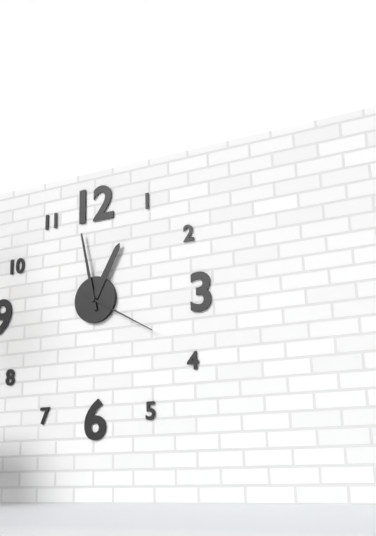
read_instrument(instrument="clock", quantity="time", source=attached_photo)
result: 12:58:20
